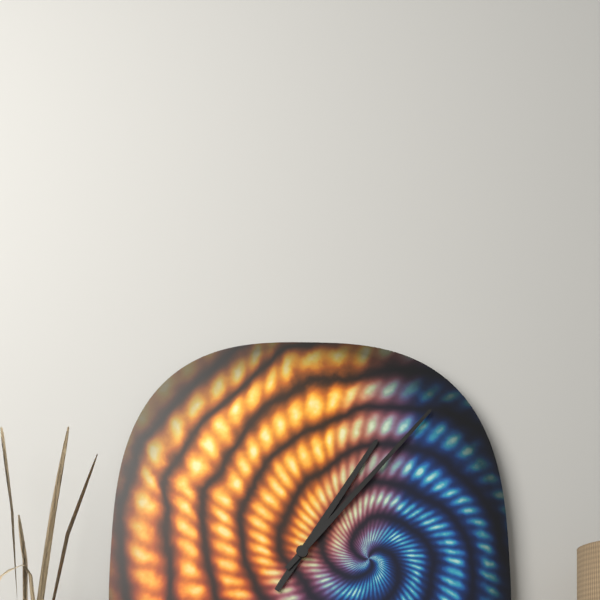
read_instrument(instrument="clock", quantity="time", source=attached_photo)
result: 1:07
